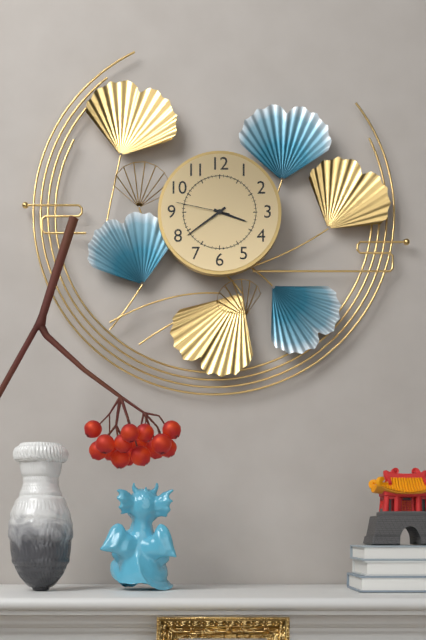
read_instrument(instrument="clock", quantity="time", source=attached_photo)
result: 3:39:47
